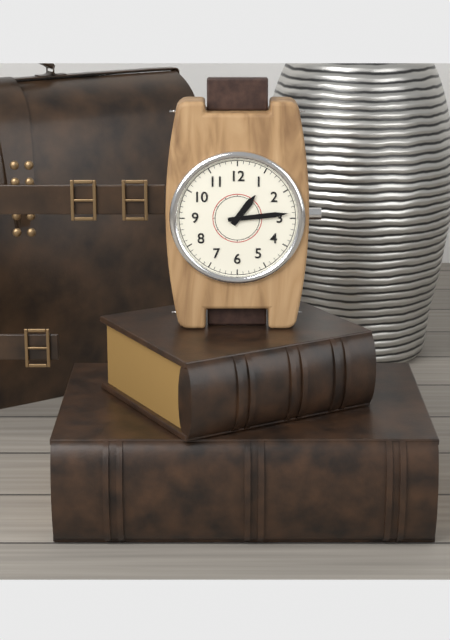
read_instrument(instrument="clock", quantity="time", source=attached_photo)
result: 1:14
